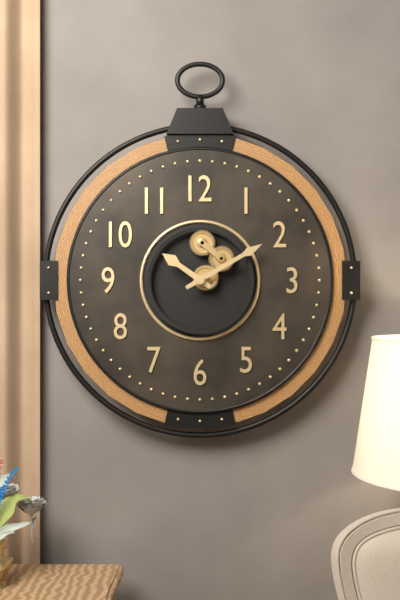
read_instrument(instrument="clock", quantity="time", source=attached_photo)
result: 10:10
